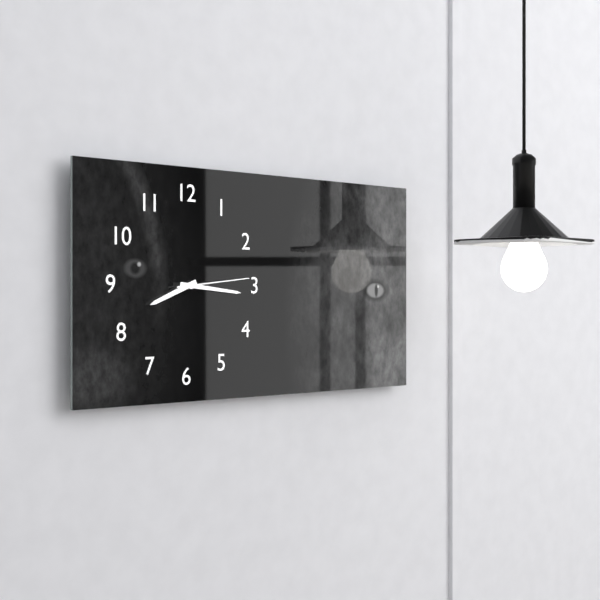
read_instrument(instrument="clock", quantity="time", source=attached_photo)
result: 8:16:14
